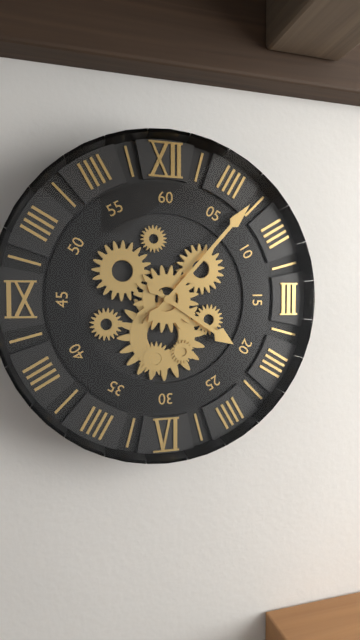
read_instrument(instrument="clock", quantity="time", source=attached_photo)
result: 4:07
